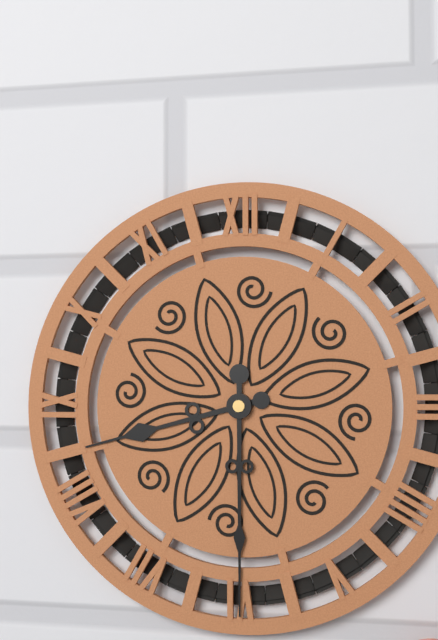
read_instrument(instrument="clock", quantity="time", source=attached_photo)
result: 8:30
